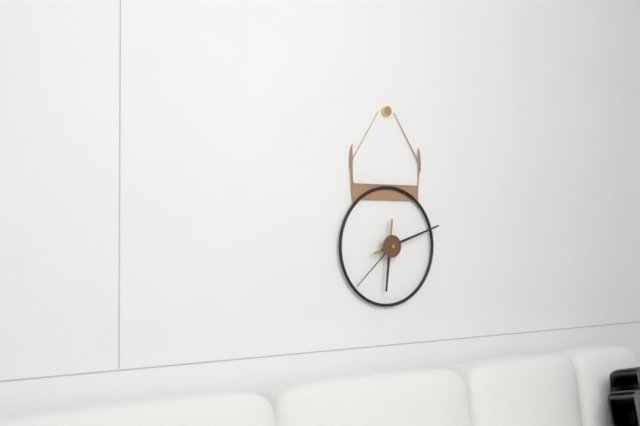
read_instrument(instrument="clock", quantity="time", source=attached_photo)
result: 6:12:38
